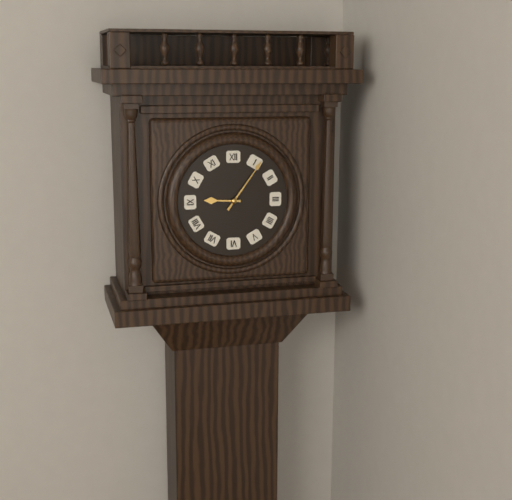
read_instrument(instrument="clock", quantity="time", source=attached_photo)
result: 9:06
